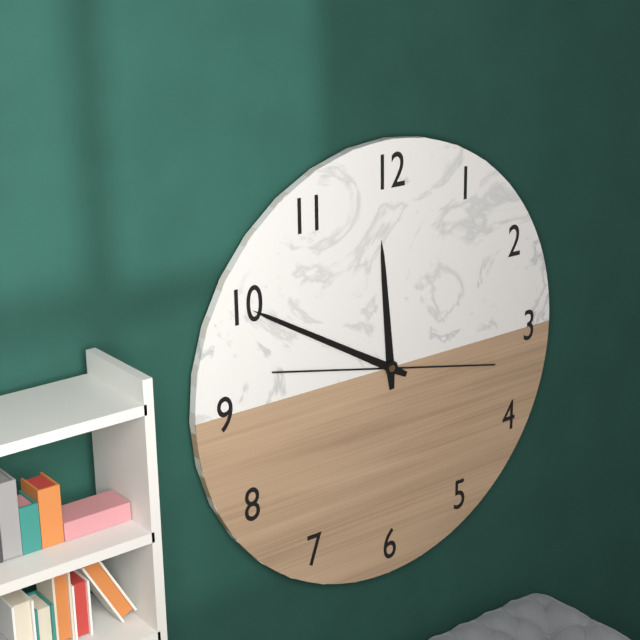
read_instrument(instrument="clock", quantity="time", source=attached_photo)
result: 11:50
